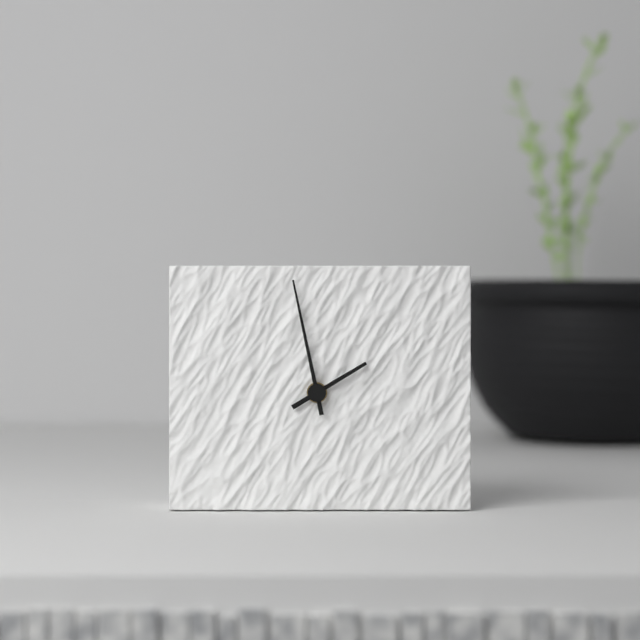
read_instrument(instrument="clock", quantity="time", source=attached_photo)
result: 1:58
